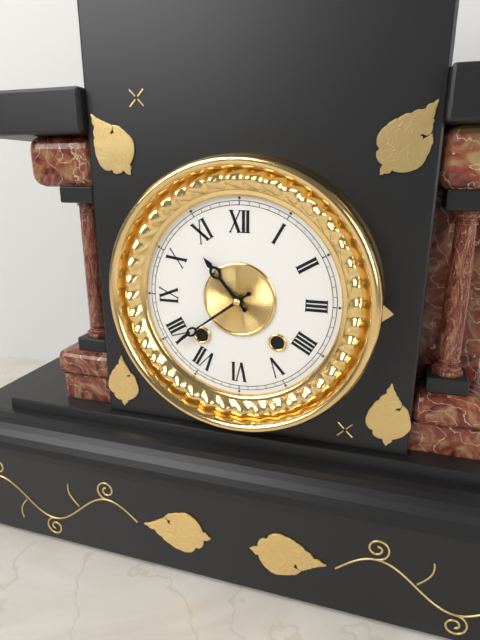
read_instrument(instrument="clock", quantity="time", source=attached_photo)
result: 10:39
